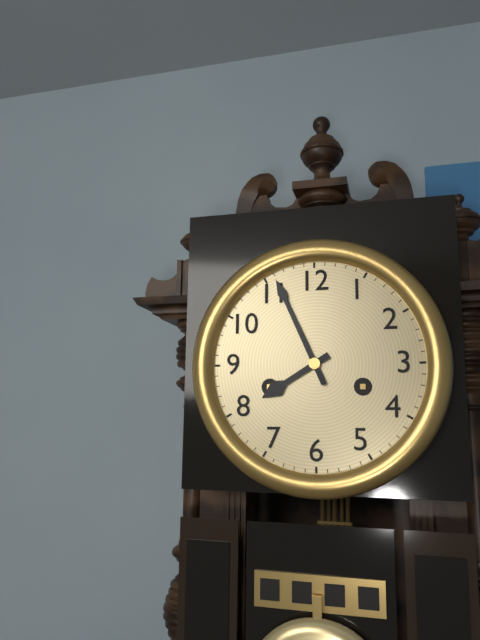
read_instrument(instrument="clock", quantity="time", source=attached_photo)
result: 7:56
